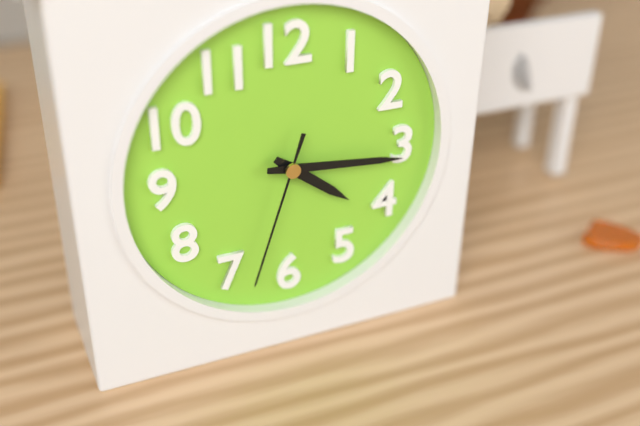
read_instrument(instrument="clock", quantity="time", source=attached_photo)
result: 4:16:33
